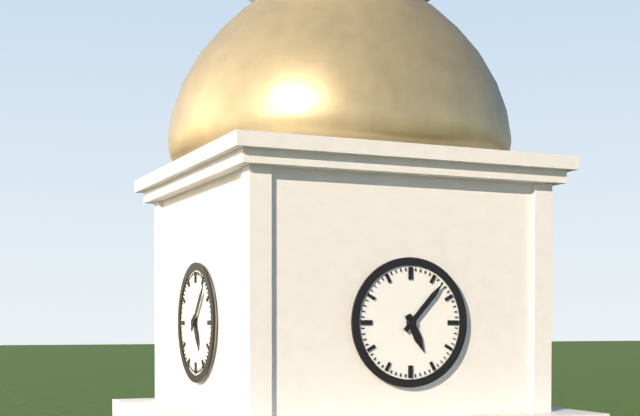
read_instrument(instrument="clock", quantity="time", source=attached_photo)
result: 5:07
